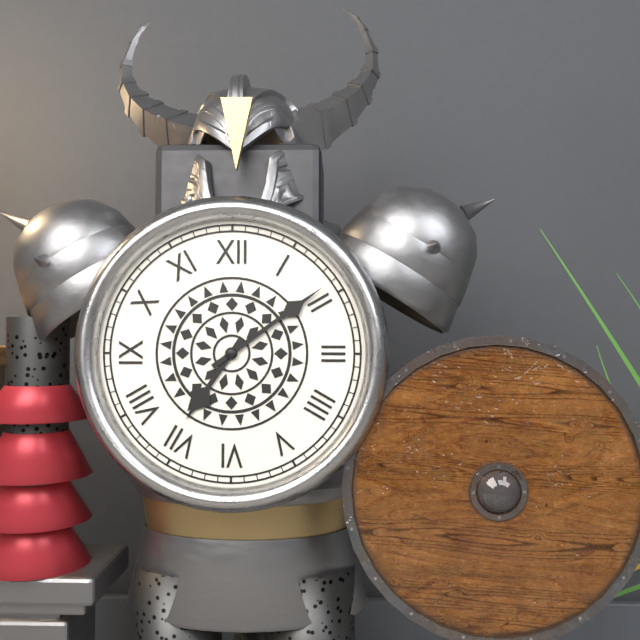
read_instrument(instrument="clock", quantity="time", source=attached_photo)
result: 7:09
